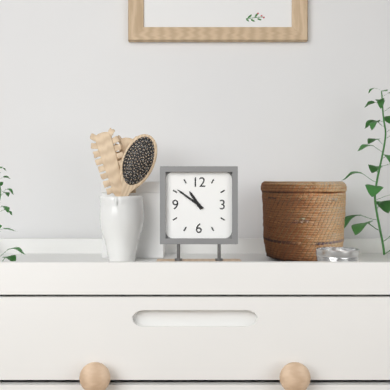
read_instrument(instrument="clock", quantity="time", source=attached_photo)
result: 10:51
